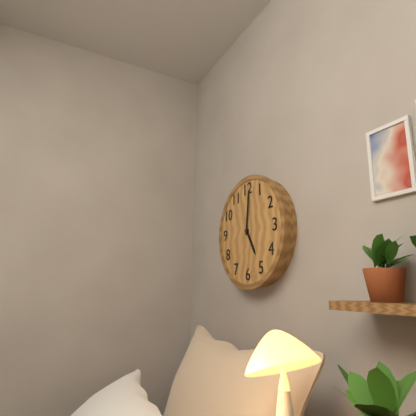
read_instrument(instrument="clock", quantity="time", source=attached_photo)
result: 5:01
